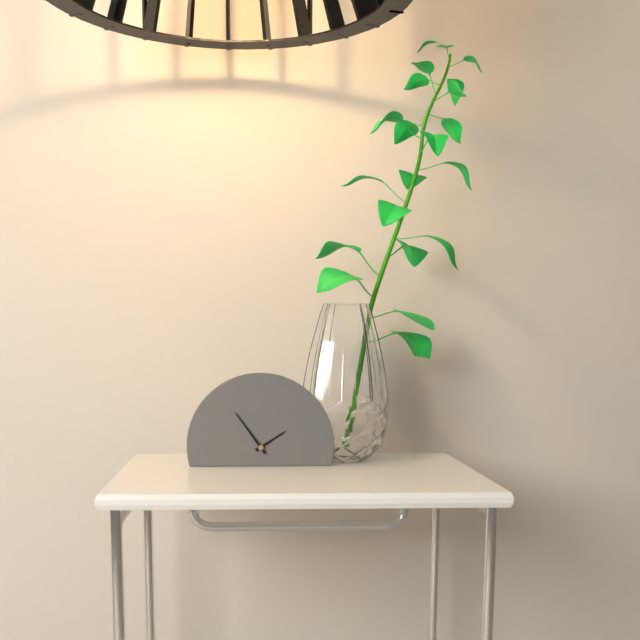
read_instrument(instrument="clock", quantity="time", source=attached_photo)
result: 1:54
